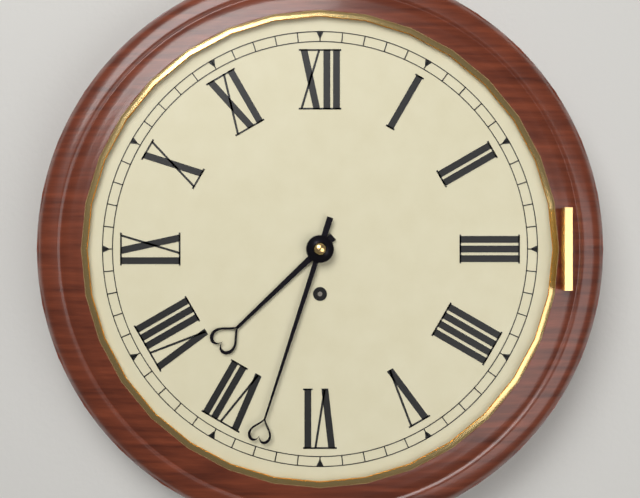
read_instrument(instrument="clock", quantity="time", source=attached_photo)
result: 7:33
